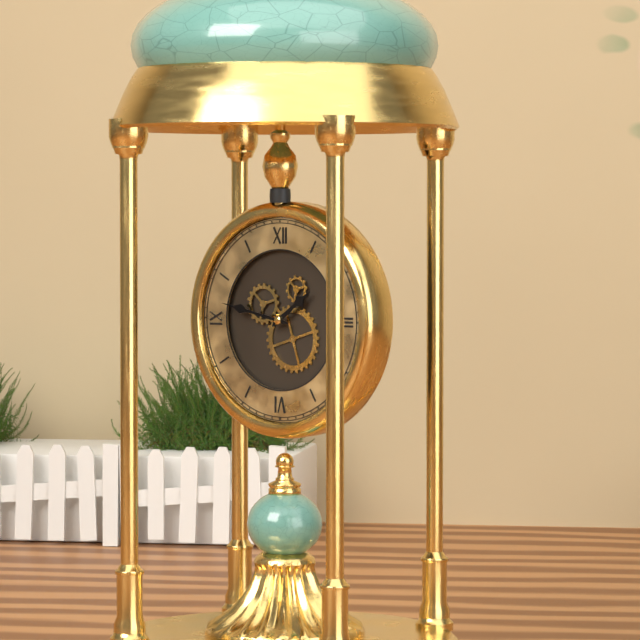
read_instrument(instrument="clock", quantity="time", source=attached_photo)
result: 1:47
